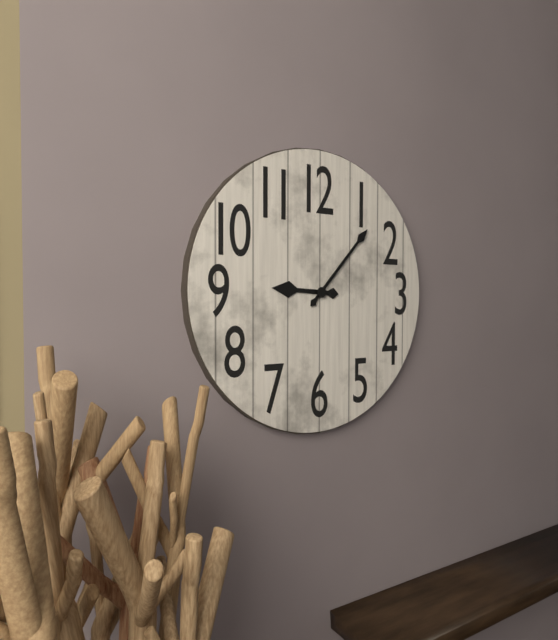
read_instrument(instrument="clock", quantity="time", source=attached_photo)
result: 9:07
